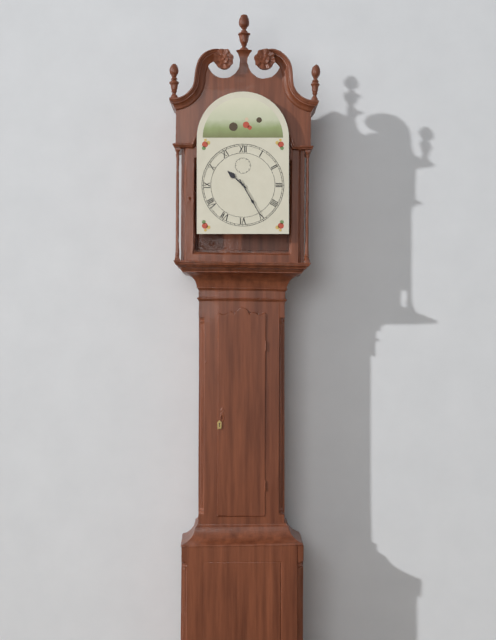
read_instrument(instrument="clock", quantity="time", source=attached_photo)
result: 10:25
